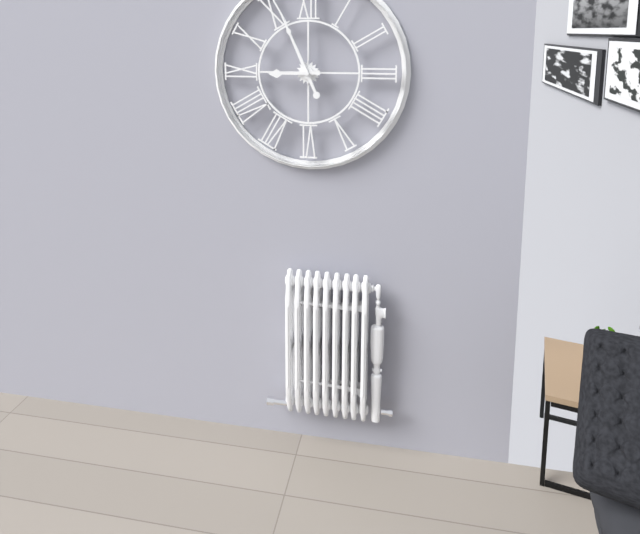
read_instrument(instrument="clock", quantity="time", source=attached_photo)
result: 8:56
